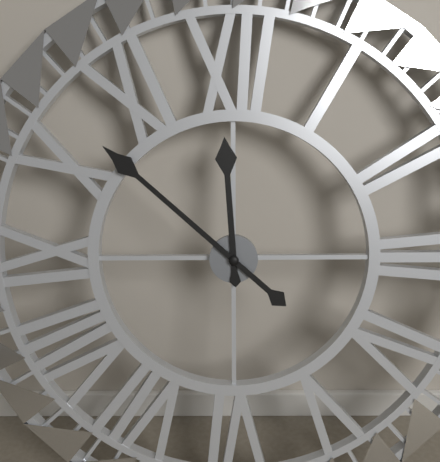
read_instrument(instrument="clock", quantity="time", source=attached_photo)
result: 11:52
